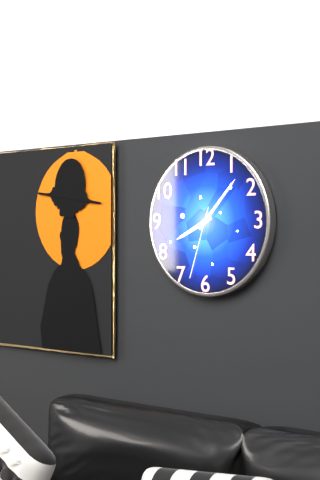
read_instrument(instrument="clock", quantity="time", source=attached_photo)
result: 8:07:33
